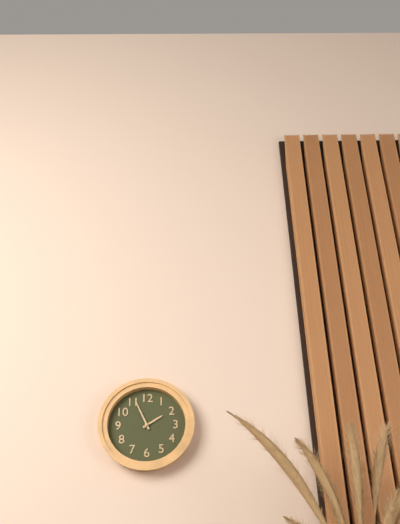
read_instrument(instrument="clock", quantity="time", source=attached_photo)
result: 1:56
